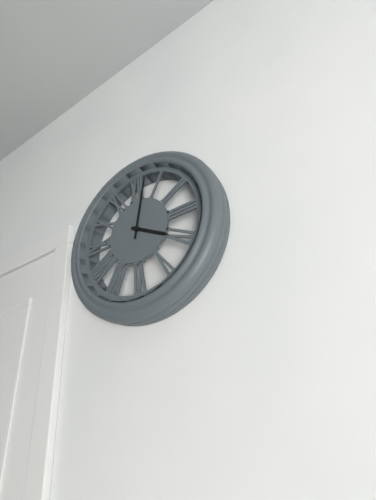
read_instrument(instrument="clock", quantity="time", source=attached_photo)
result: 4:02
